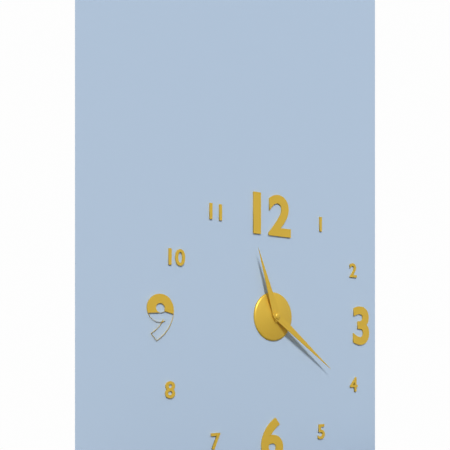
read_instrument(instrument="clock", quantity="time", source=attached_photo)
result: 11:21
